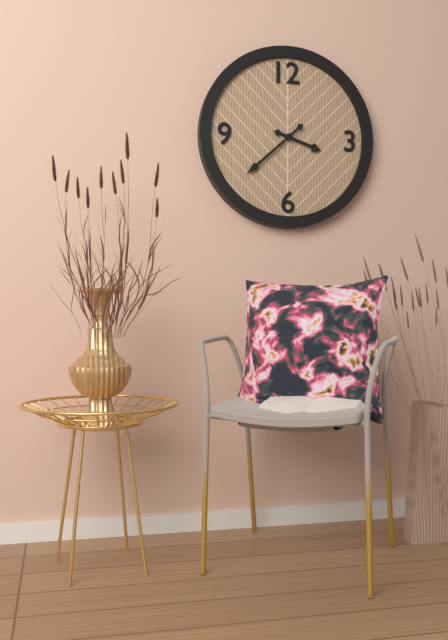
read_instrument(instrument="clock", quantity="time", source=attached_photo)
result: 3:38
